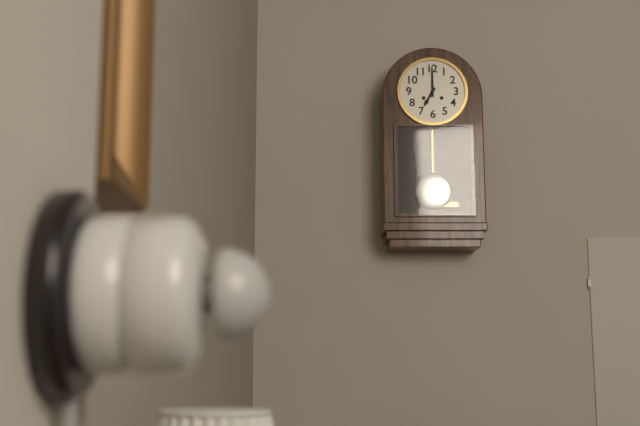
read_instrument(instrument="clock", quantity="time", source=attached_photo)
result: 7:00
